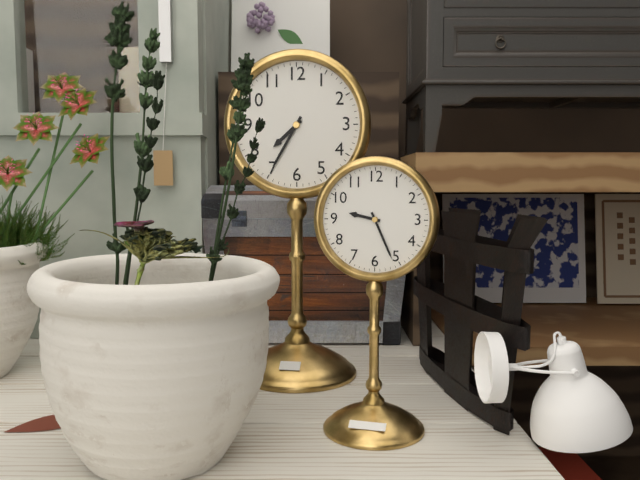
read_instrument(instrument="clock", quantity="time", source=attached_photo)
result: 7:35
